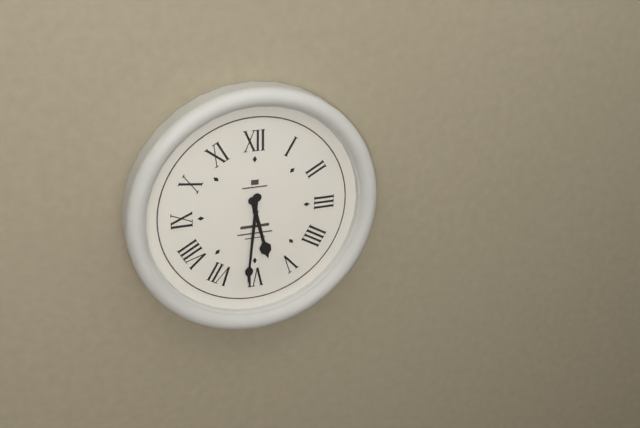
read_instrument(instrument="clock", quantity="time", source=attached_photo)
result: 5:31
